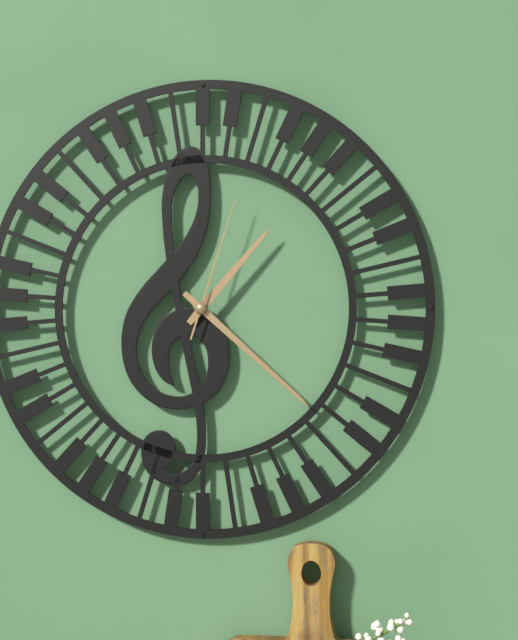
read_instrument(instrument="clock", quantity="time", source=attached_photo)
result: 1:22:03
